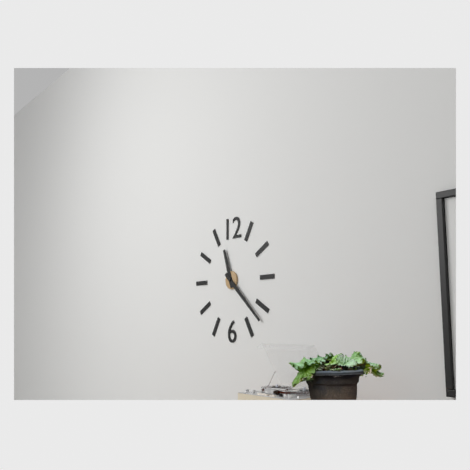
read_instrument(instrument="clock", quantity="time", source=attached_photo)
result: 11:22
